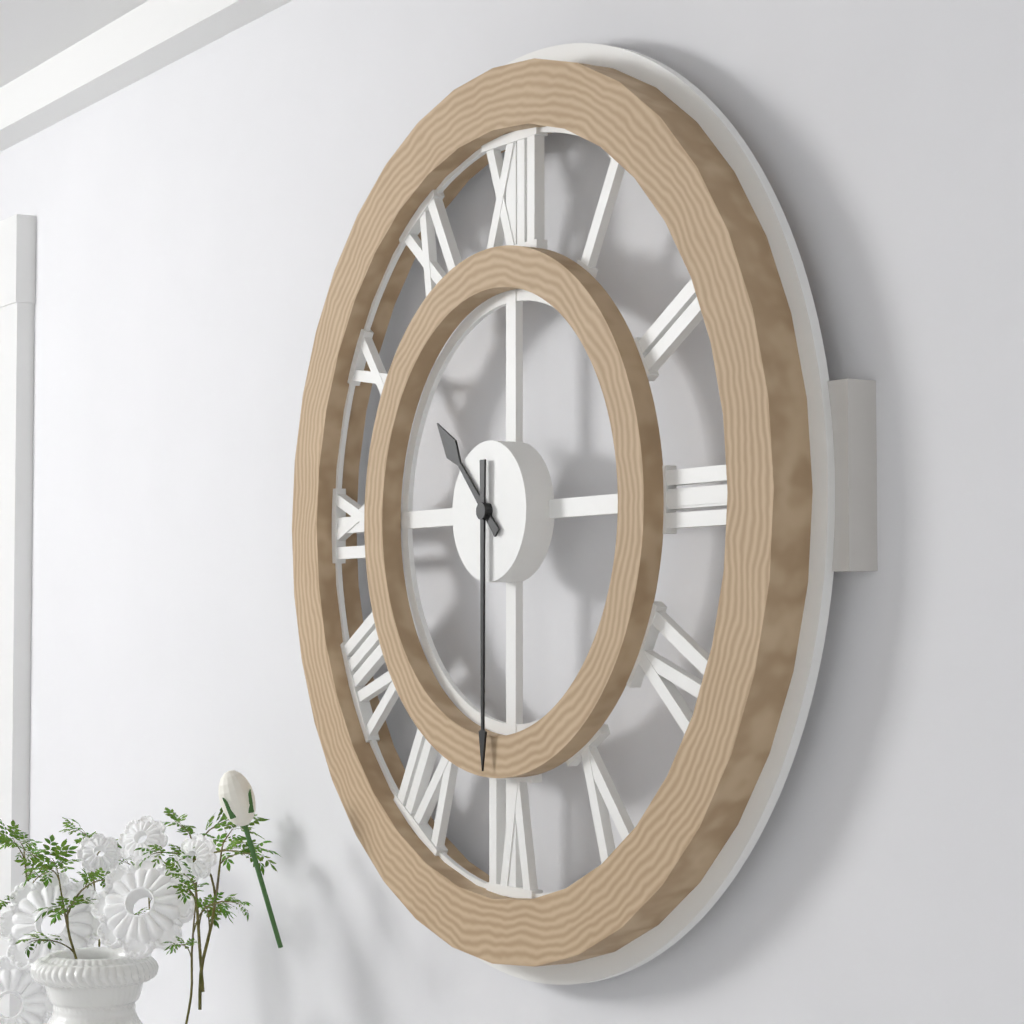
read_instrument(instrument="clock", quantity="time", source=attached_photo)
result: 10:30
